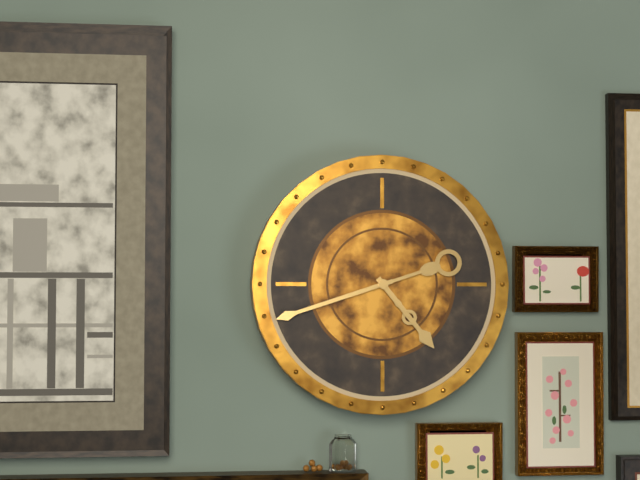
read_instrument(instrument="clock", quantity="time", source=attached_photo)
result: 4:42
